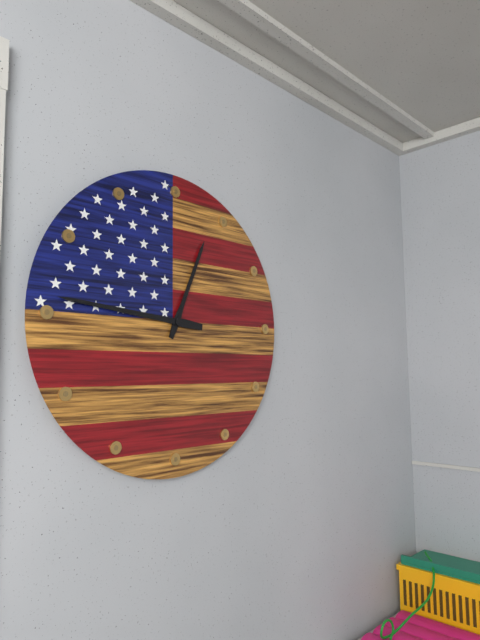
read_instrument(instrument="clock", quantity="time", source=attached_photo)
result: 12:46
